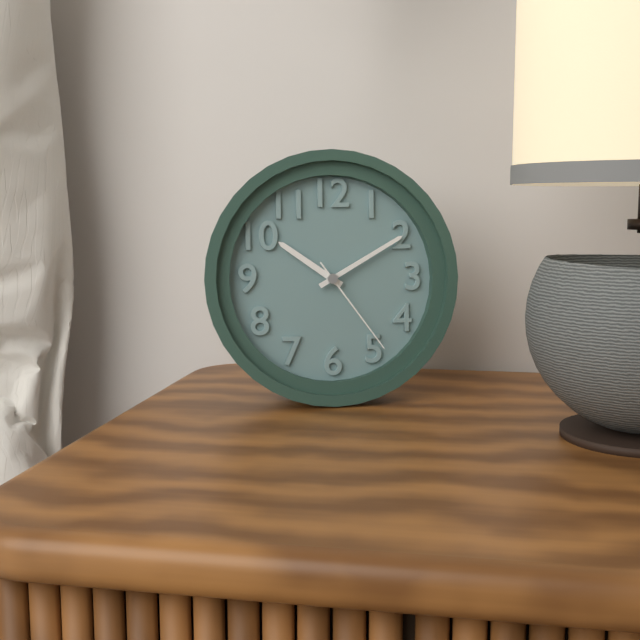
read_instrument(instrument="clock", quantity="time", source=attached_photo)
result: 10:10:24
